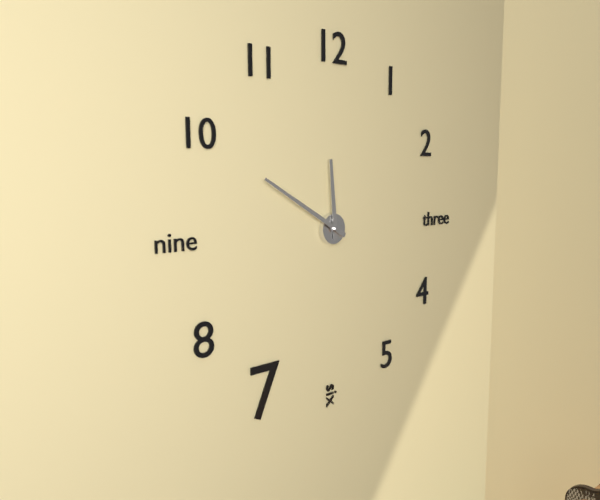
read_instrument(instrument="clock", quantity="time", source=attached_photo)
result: 11:50
